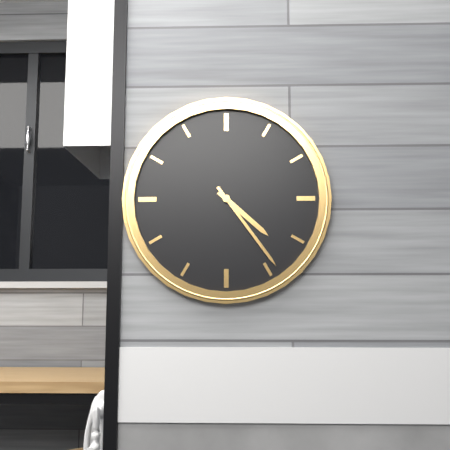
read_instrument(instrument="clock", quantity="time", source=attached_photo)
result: 4:24
